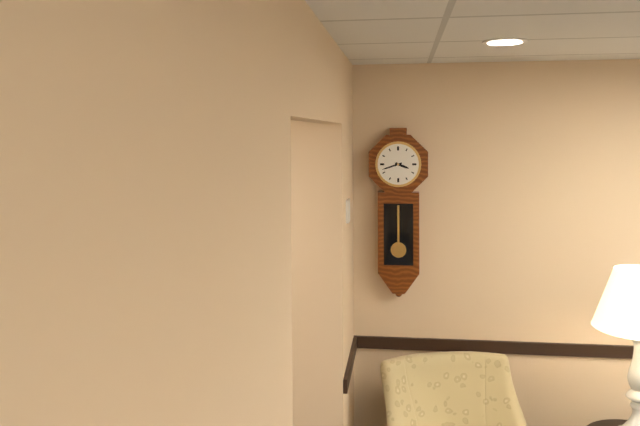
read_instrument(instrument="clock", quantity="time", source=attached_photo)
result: 3:42
